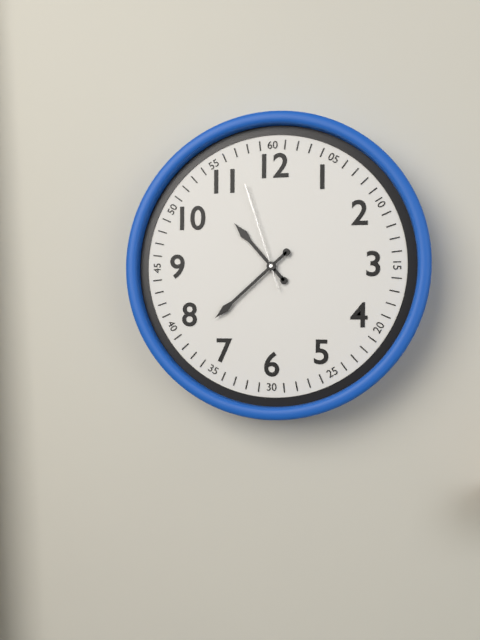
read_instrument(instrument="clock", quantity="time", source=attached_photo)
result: 10:38:57
